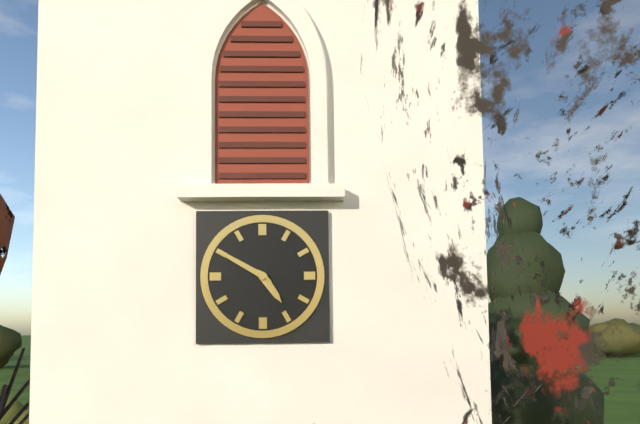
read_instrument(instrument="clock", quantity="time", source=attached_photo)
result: 4:50
